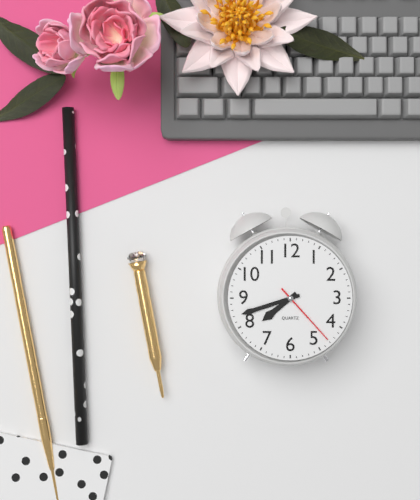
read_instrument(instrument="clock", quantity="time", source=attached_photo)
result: 7:42:23
